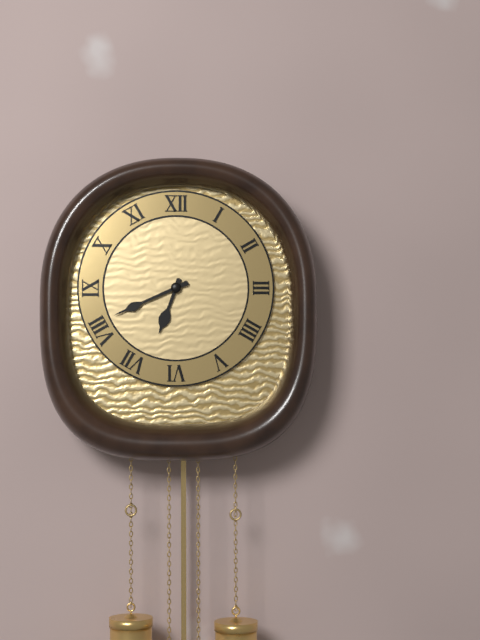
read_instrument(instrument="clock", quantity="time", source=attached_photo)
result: 6:41
